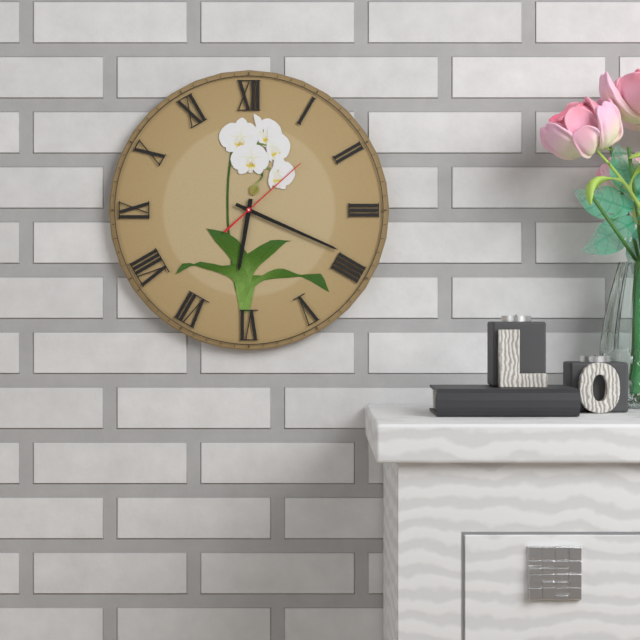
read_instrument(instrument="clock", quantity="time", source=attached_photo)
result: 6:19:08
